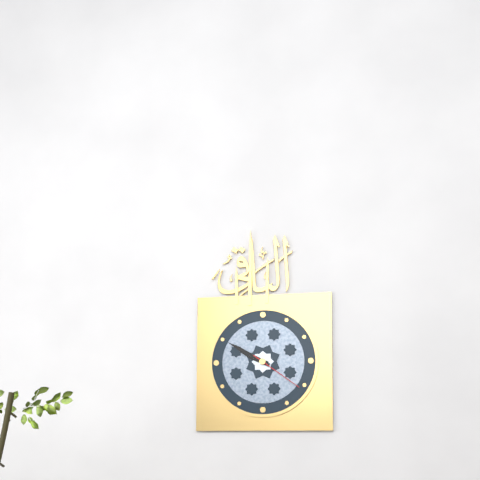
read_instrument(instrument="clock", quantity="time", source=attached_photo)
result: 9:50:21
